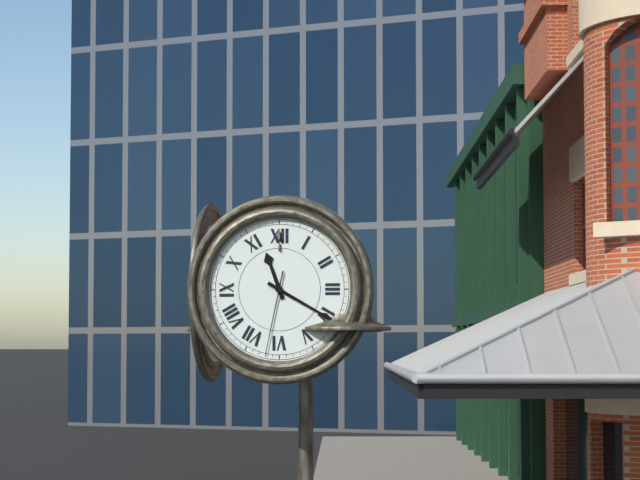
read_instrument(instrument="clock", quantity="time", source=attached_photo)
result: 11:20:32
